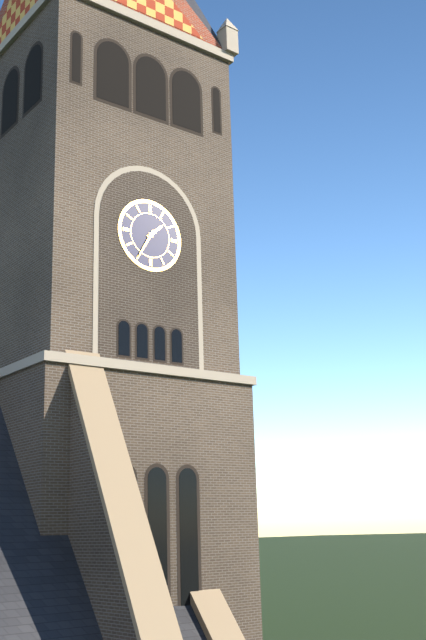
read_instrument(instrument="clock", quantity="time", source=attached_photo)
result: 1:35
